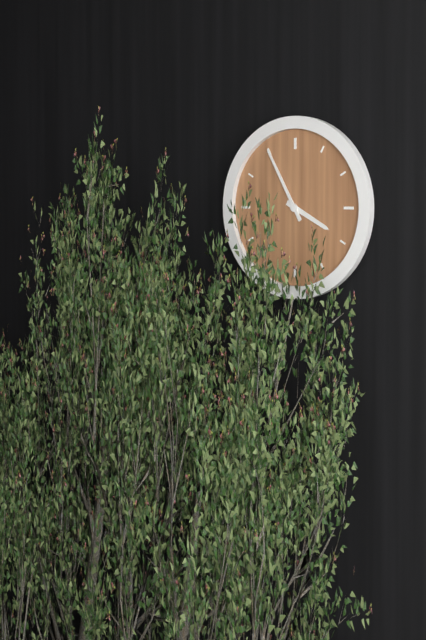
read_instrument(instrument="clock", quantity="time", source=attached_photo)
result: 3:55
